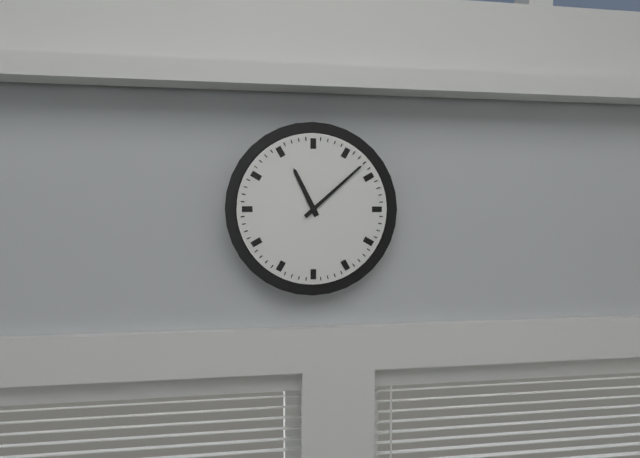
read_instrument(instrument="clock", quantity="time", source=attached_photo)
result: 11:08
